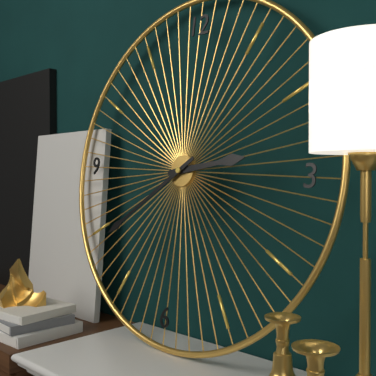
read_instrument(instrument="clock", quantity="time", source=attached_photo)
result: 2:39
